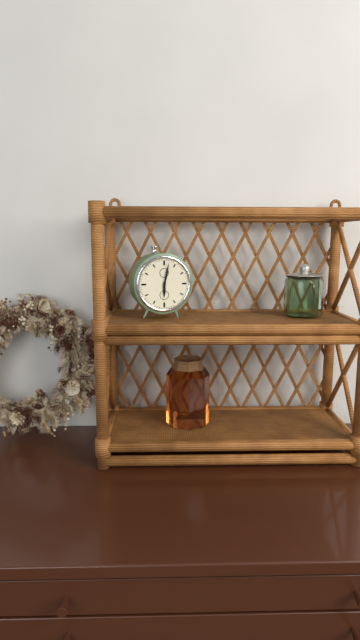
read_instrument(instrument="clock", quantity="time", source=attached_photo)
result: 6:02
